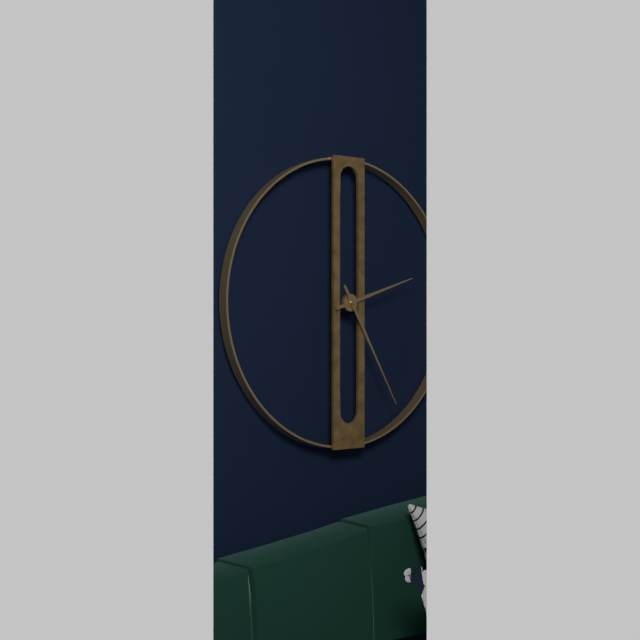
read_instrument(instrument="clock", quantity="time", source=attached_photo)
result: 2:25
